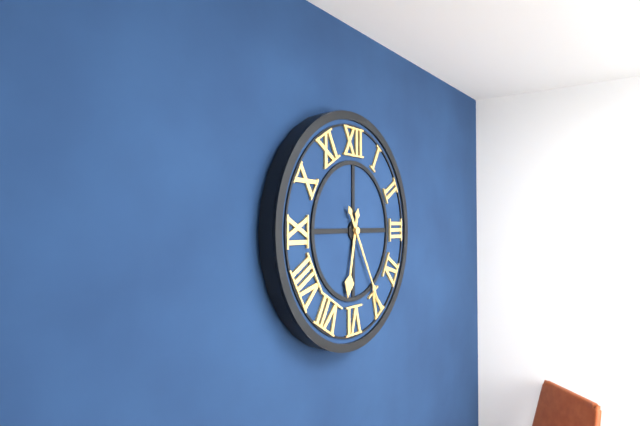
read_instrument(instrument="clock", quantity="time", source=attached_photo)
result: 6:25
